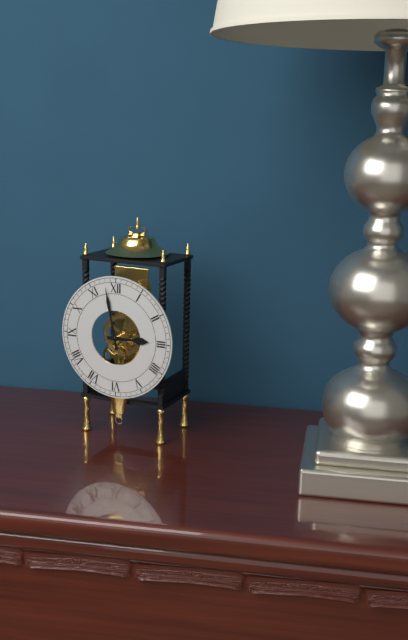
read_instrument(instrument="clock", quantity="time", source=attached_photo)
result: 2:58
